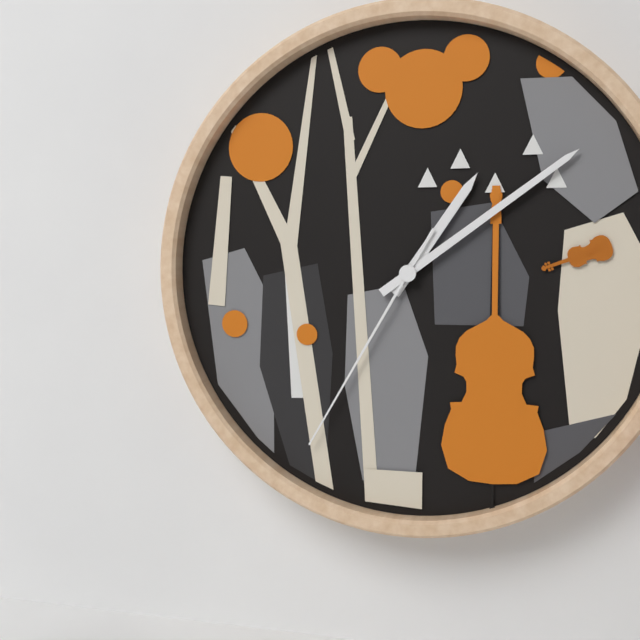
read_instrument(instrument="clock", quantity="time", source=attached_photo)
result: 1:09:35
